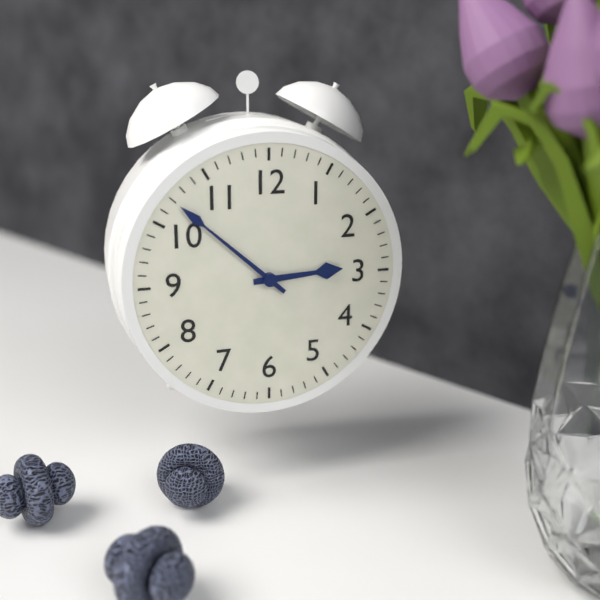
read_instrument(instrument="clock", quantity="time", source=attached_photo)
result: 2:52
